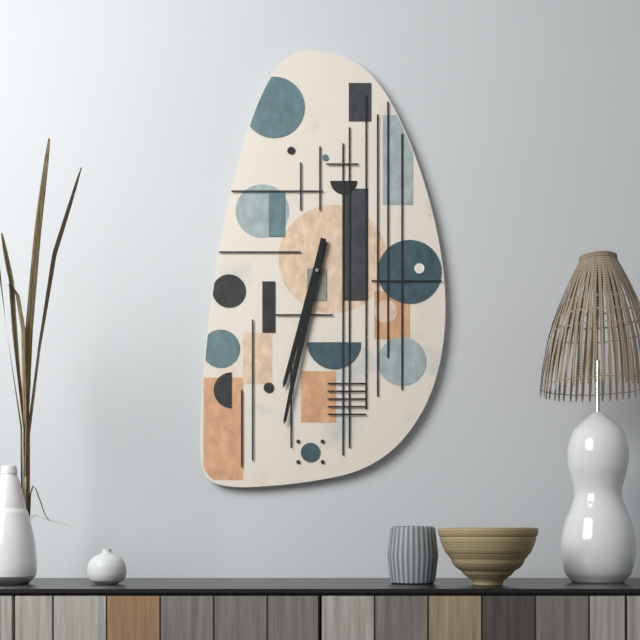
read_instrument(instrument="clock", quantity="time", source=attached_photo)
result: 6:32
